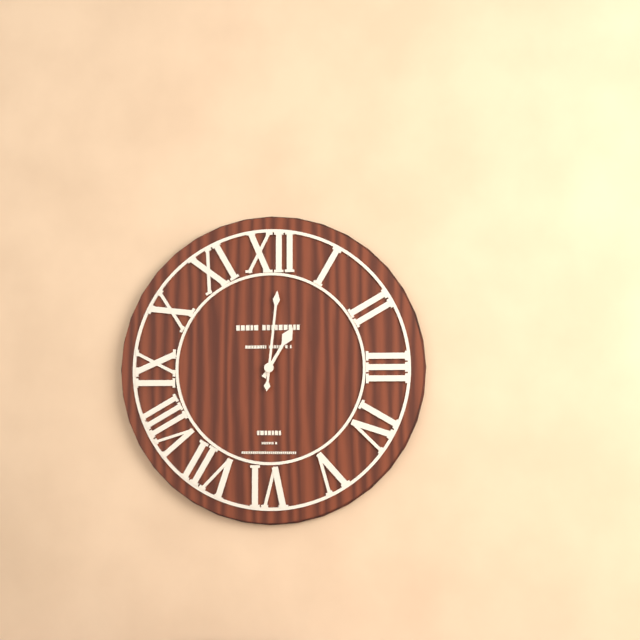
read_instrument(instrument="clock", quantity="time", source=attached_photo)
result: 1:01
